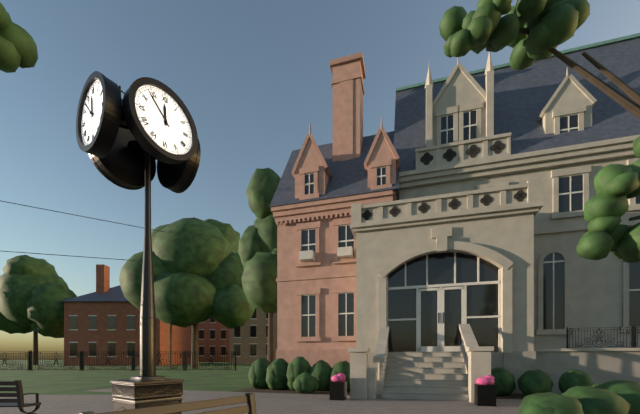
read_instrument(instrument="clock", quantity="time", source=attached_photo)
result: 11:53
